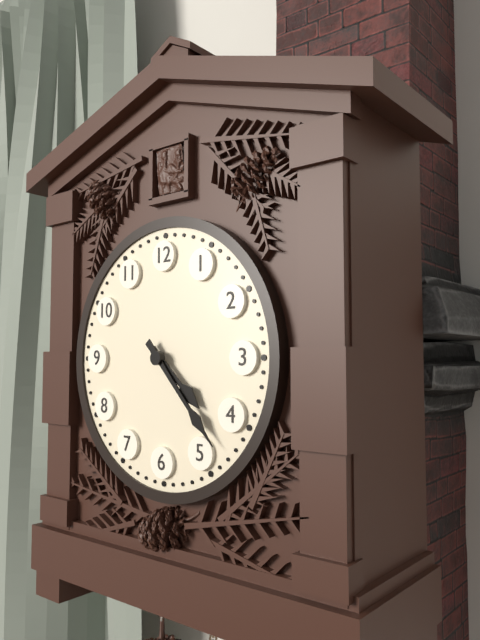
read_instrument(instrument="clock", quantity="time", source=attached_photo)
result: 4:23
